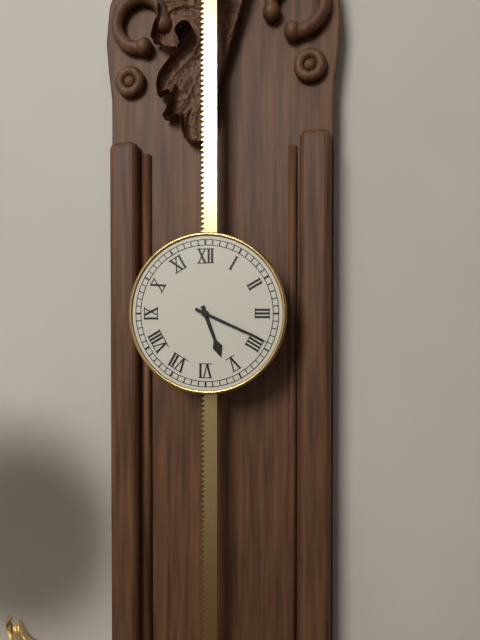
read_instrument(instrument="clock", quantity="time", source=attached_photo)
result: 5:19
